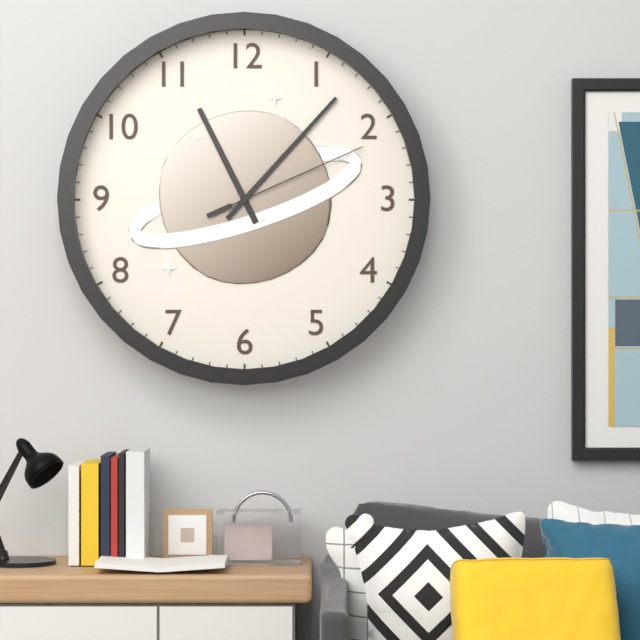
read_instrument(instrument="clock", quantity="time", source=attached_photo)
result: 11:07:11
